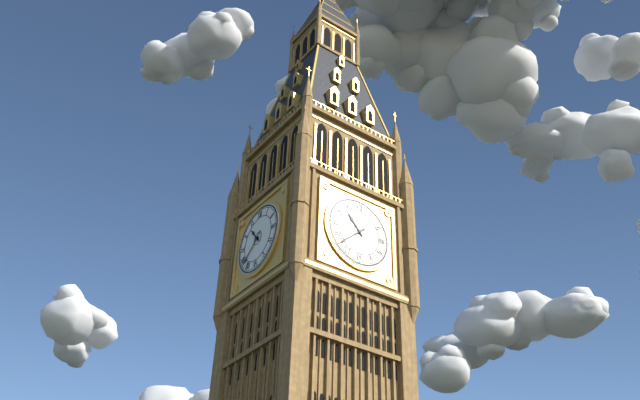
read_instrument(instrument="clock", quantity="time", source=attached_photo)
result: 10:38
